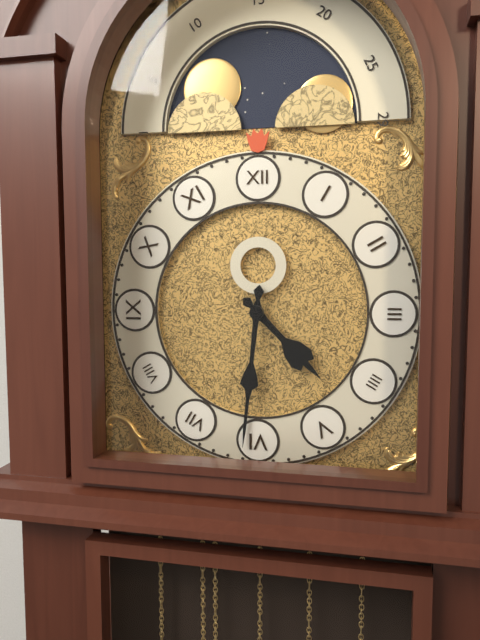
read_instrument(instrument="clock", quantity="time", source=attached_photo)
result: 4:31
